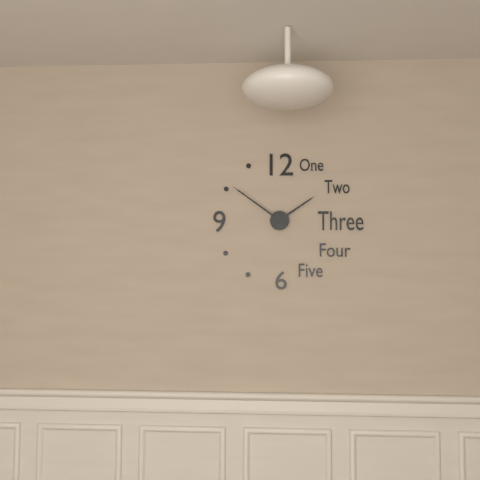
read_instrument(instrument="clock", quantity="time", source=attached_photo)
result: 1:51
